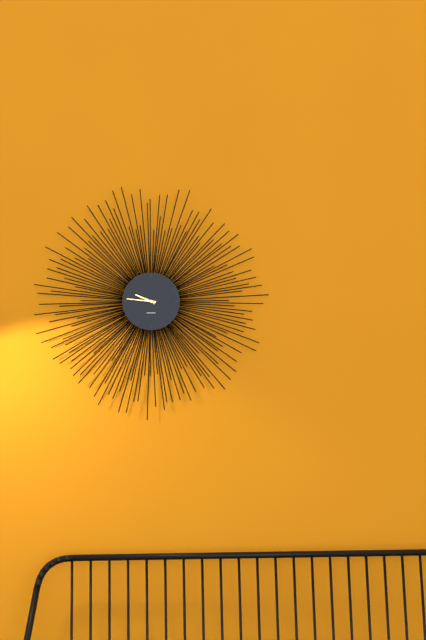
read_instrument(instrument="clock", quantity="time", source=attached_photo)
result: 9:46
